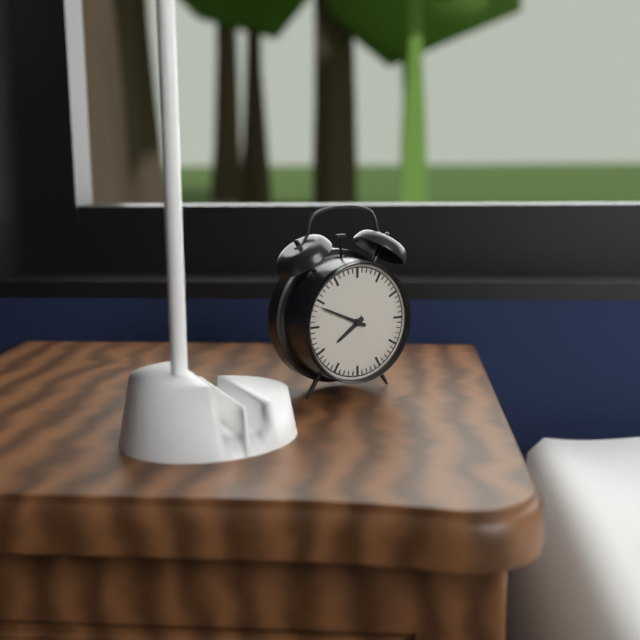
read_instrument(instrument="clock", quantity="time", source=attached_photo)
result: 7:49
